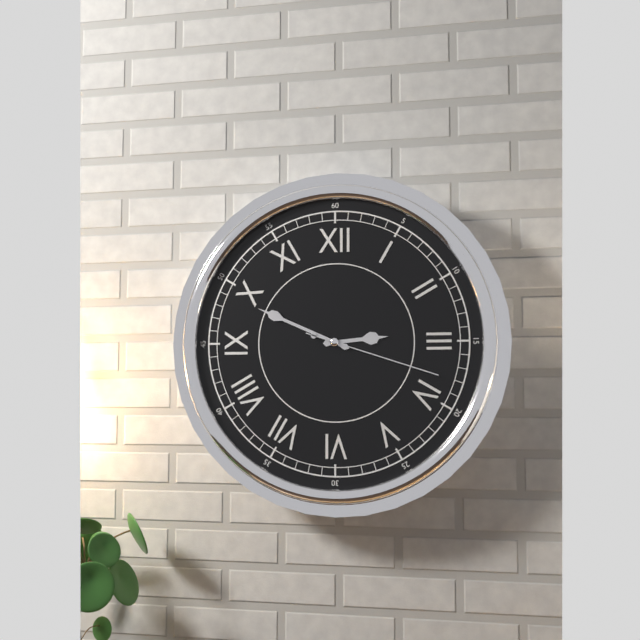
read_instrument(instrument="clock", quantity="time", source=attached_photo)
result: 2:49:18
